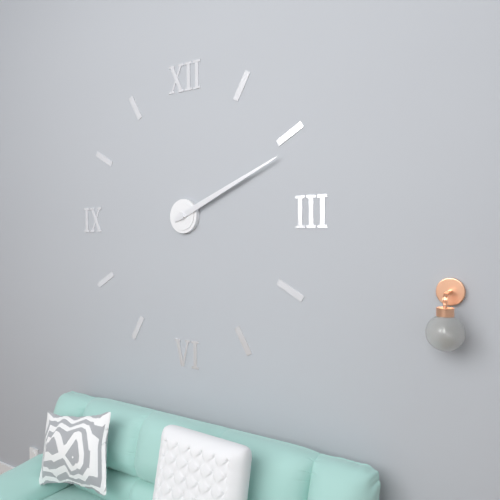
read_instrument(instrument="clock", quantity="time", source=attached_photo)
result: 2:11
